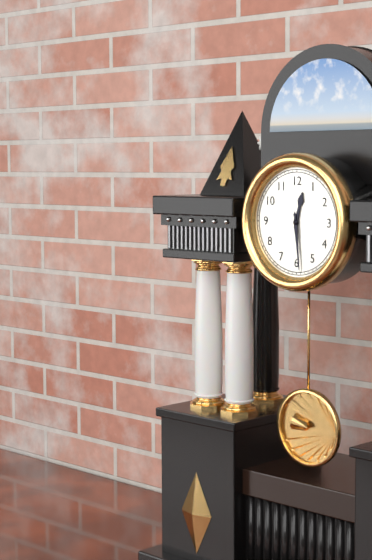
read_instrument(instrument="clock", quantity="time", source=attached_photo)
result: 12:29
